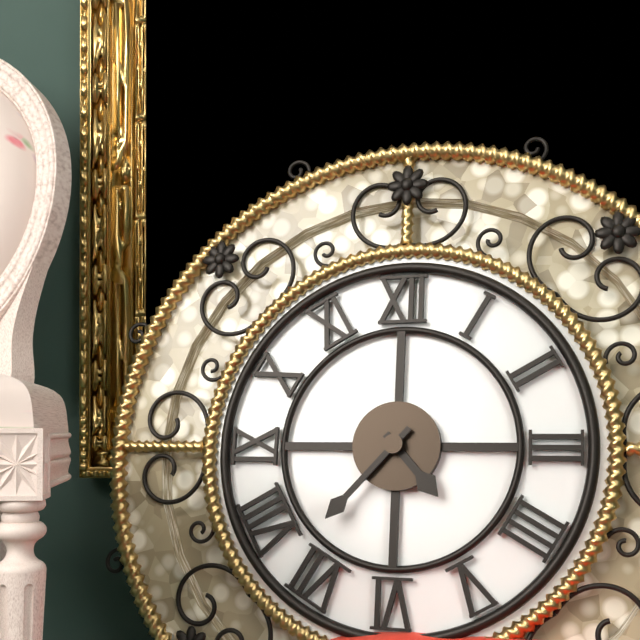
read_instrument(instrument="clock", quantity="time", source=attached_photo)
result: 4:37
